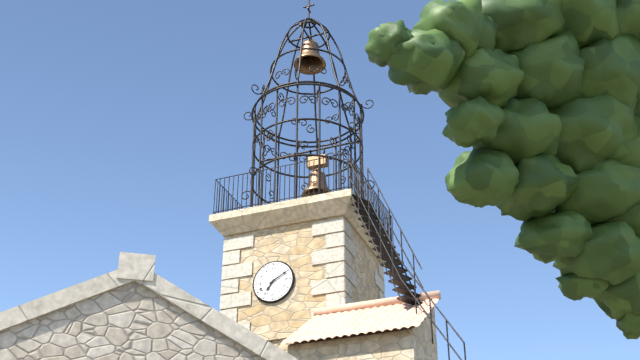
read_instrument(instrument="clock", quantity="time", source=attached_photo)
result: 7:10
